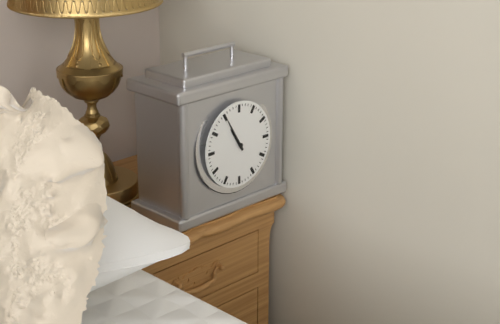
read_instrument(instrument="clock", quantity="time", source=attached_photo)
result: 10:55
